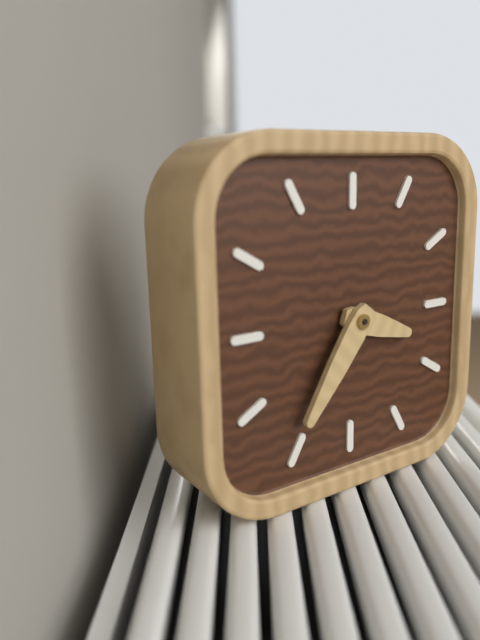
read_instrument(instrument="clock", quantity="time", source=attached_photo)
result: 3:36
